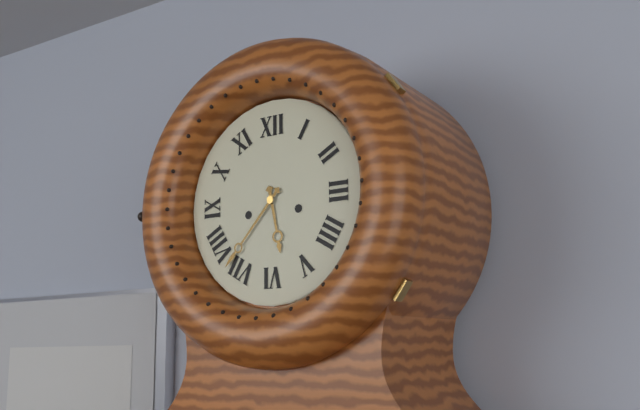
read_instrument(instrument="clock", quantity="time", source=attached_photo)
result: 5:37
